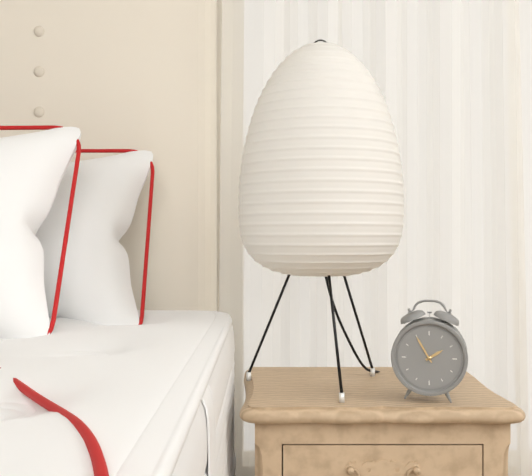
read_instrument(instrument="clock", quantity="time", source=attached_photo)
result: 1:55
